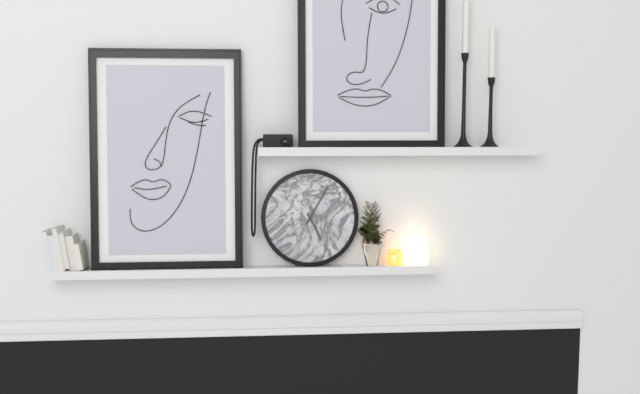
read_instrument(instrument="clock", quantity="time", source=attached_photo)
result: 5:05
